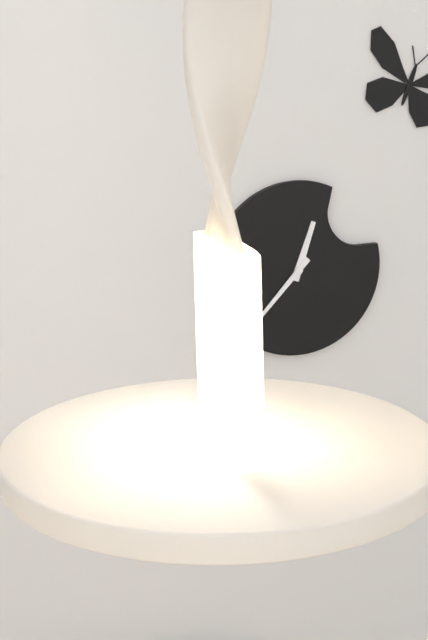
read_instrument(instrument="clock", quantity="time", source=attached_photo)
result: 12:37
